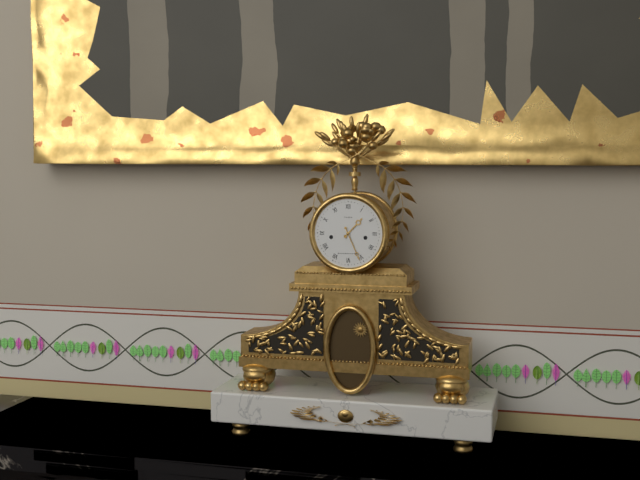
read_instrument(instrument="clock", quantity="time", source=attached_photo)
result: 1:26
